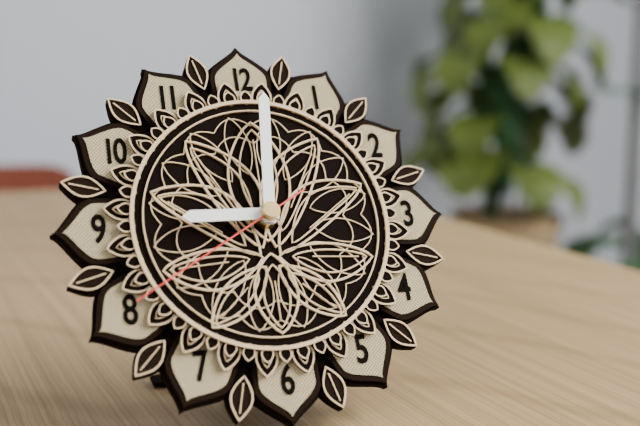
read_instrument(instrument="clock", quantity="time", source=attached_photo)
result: 9:01:40
